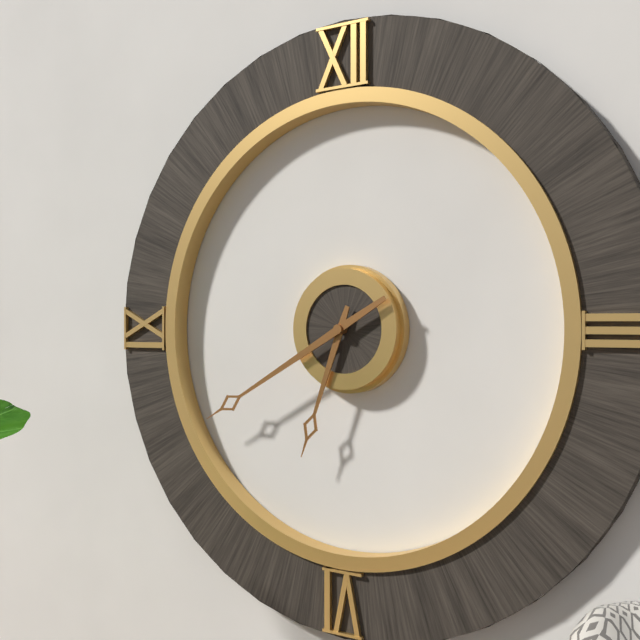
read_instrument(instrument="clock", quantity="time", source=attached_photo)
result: 6:40
